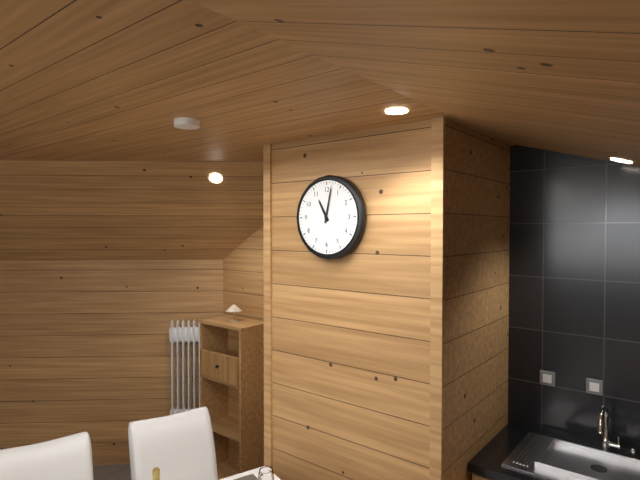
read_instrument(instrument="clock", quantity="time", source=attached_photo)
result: 11:02
